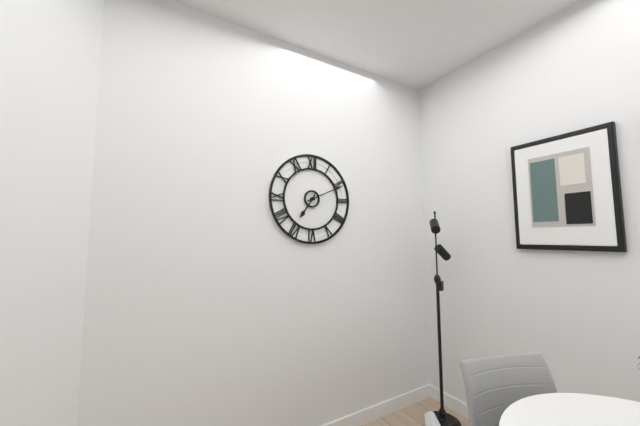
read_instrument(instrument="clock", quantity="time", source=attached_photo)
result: 7:11
